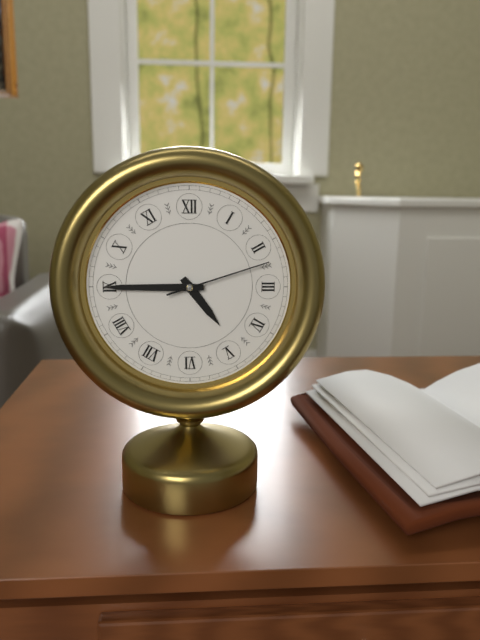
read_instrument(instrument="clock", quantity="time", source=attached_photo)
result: 4:45:12
